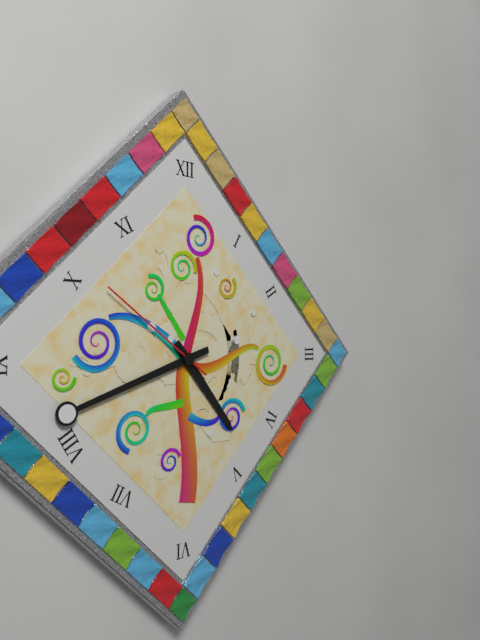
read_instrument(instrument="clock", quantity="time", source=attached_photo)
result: 4:42:51
